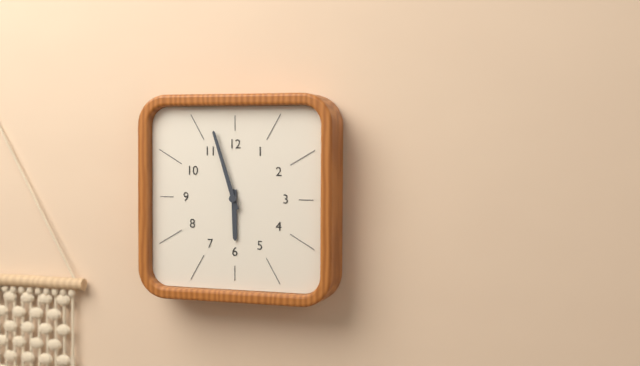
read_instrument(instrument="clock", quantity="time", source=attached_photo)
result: 5:57
